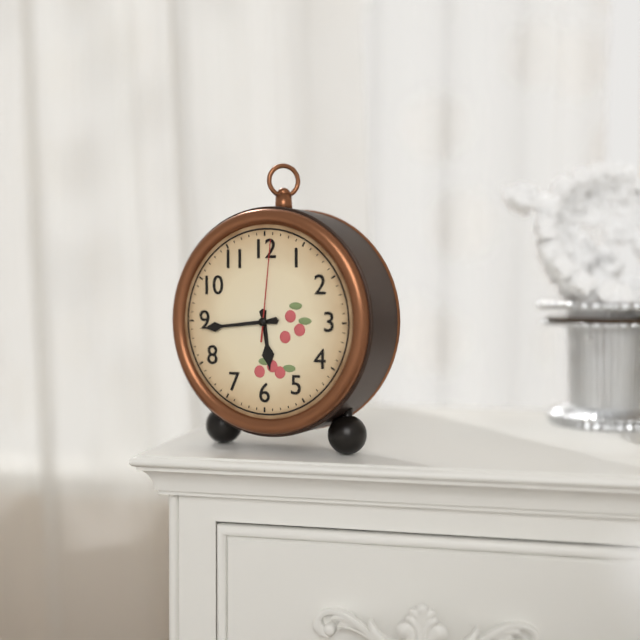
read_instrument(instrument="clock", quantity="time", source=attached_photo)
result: 5:44:01
